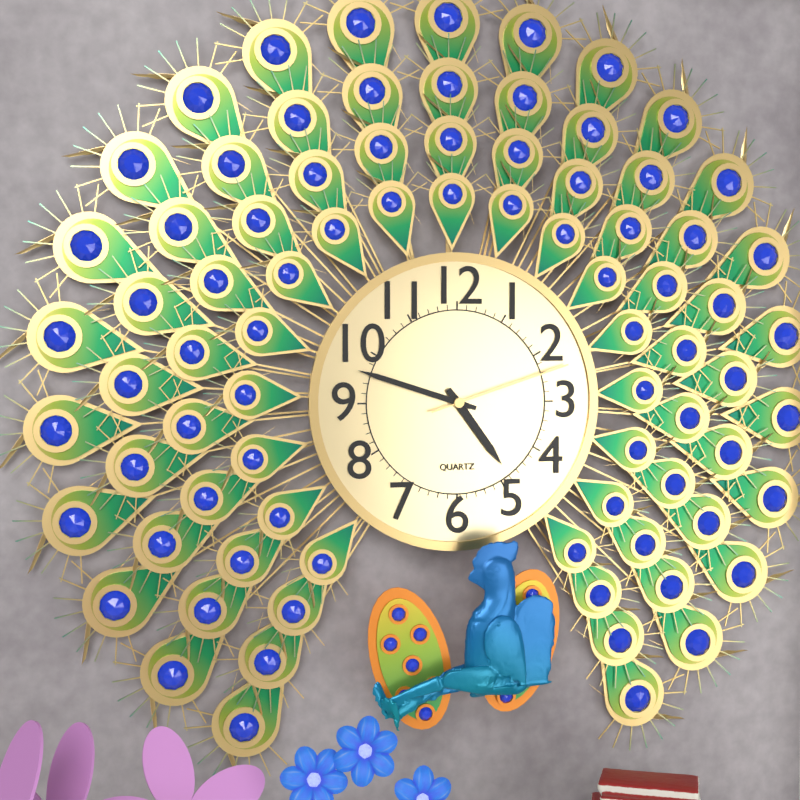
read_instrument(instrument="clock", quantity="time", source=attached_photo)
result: 4:48:12
